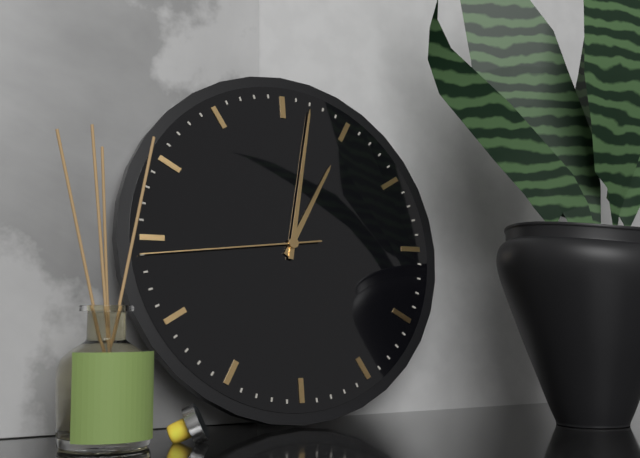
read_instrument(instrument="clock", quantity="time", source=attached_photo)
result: 1:02:44
